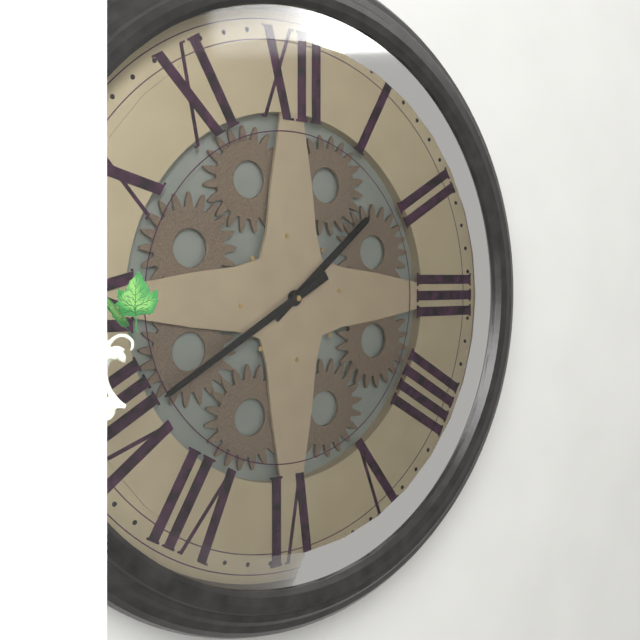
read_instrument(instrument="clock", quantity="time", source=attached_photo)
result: 1:40
